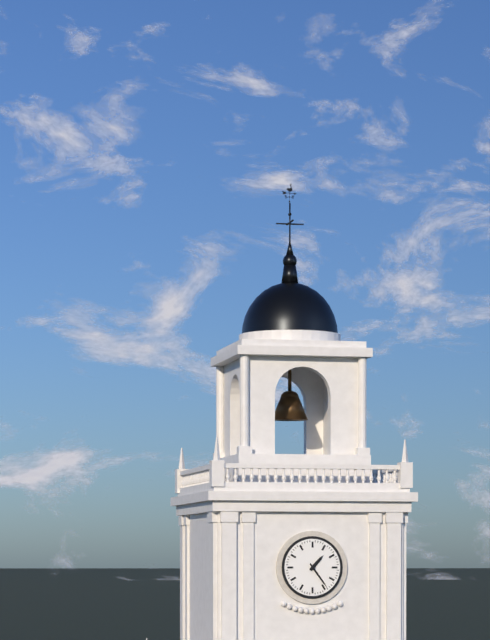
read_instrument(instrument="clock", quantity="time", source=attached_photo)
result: 1:24
